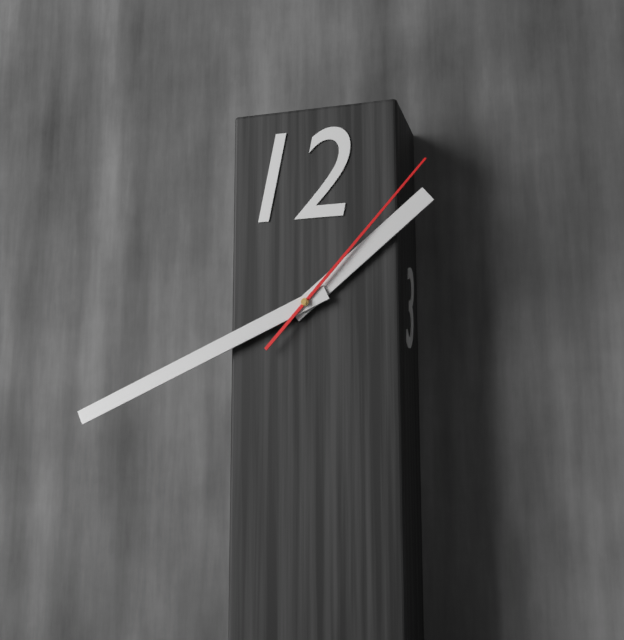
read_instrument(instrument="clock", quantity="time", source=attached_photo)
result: 1:41:07
